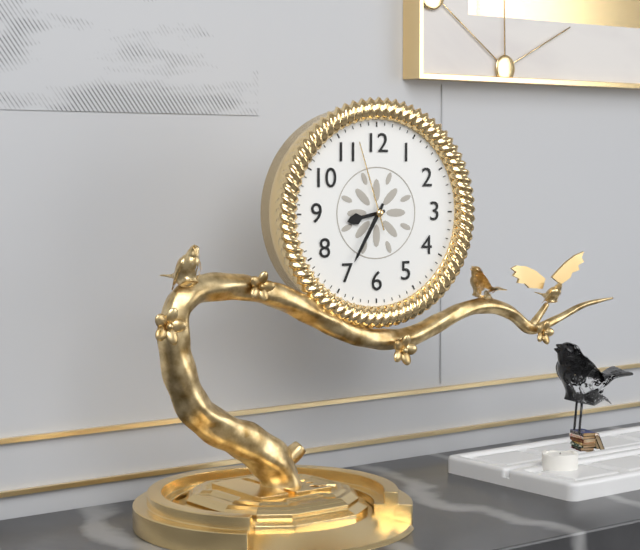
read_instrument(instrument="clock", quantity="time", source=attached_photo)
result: 8:35:57
